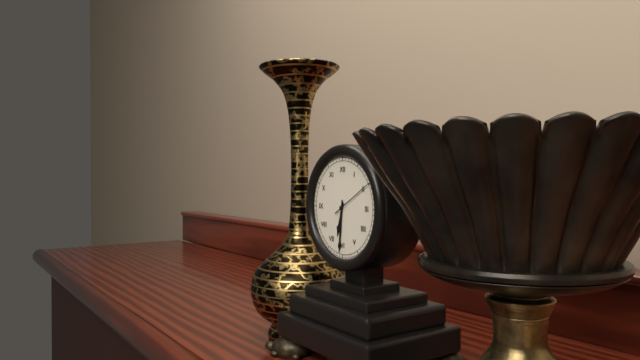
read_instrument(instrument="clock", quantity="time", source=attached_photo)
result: 6:31
